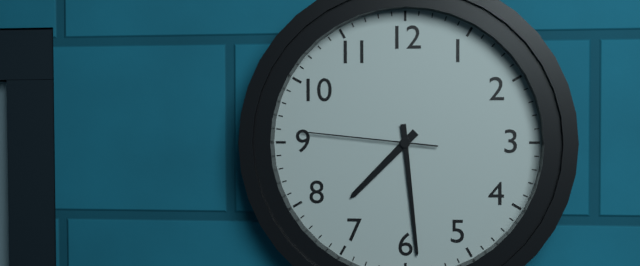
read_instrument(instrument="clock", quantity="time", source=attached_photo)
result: 7:29:46
